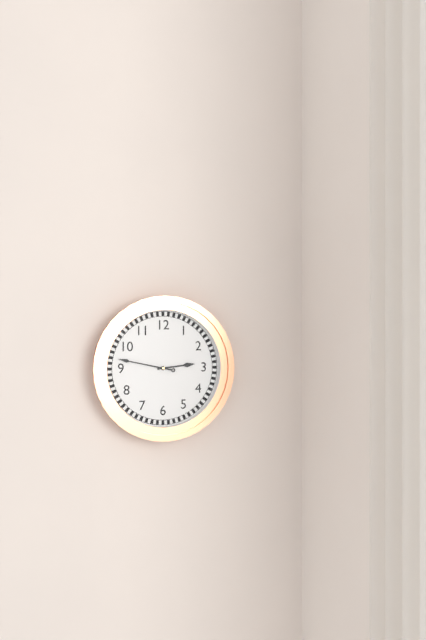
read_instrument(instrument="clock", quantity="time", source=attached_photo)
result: 2:47
